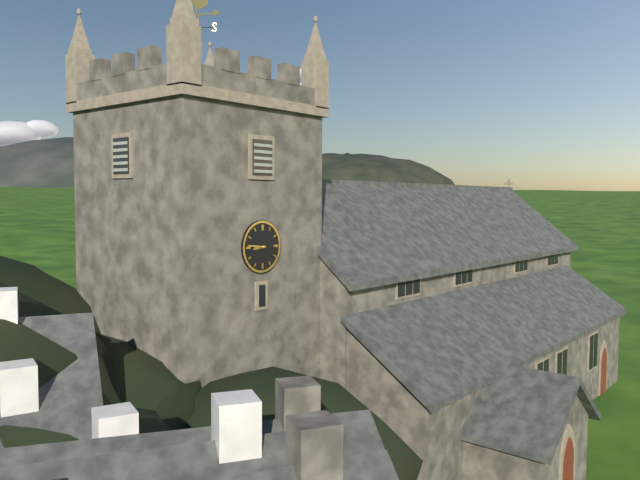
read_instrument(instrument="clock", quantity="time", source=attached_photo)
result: 8:46
